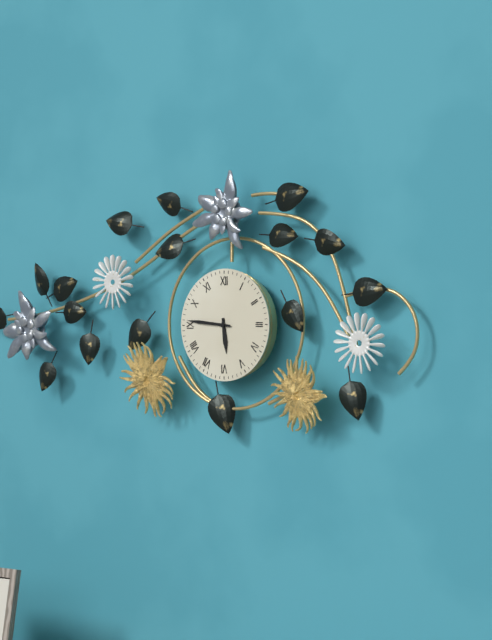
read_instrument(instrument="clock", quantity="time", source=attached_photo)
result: 5:46
